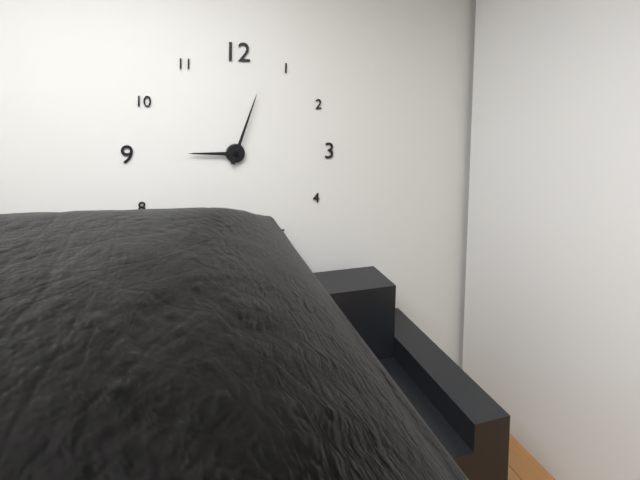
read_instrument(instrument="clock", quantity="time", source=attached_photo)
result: 9:03
